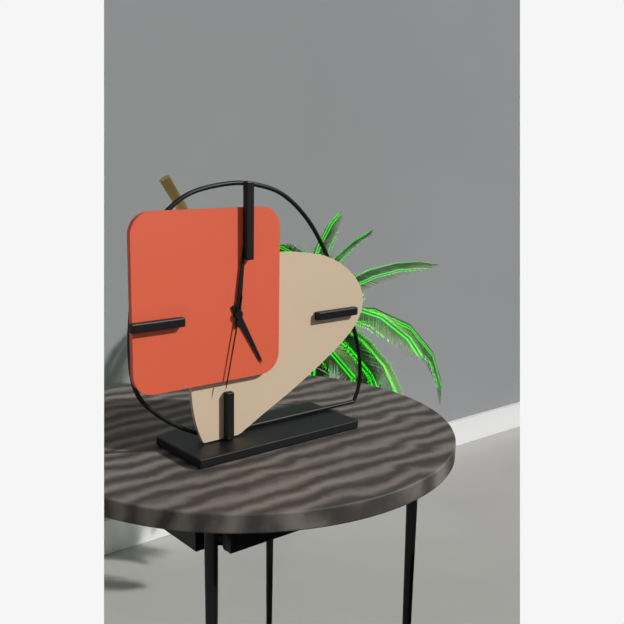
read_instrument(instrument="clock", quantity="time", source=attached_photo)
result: 5:01:32
